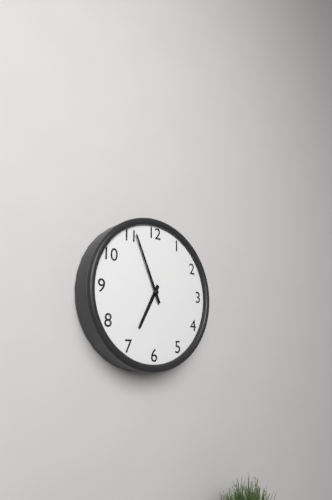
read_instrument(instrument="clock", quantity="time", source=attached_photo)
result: 6:56
